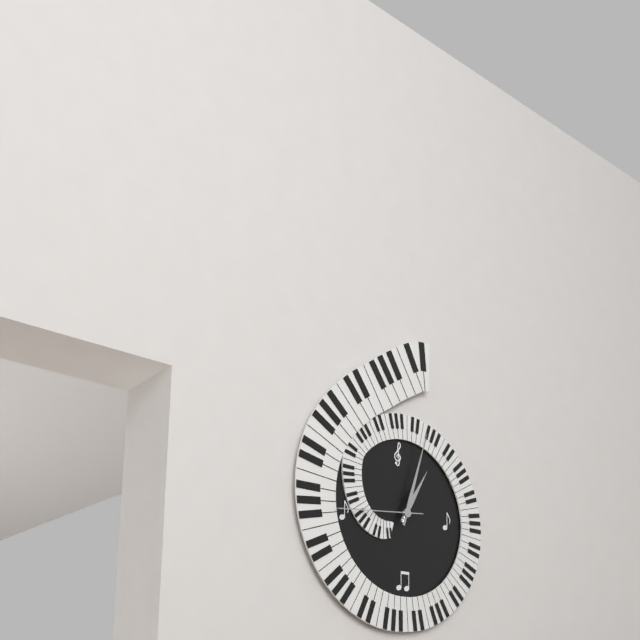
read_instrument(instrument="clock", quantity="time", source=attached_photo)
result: 1:03:44
